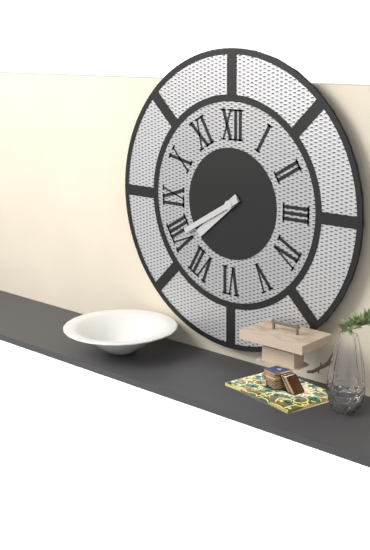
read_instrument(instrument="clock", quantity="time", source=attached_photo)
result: 7:40
